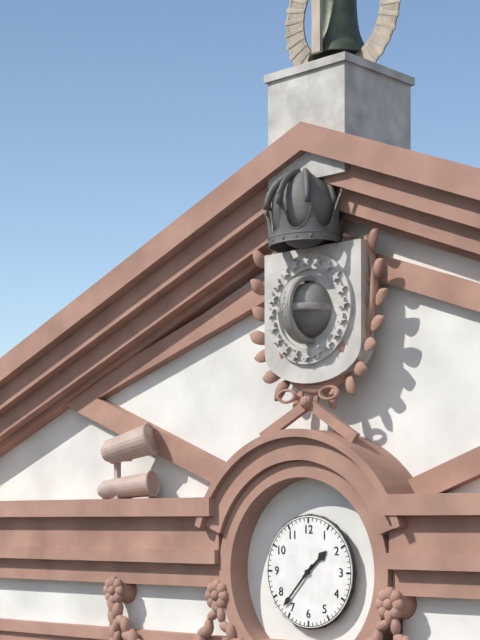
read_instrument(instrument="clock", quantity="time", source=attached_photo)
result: 1:37
